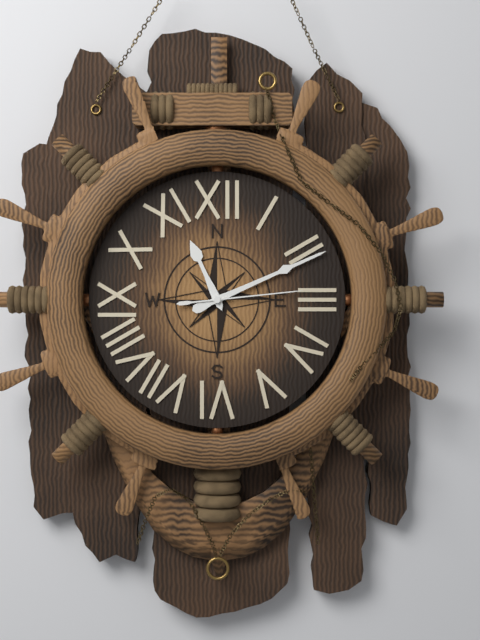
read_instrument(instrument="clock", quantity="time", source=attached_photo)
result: 11:11:14
